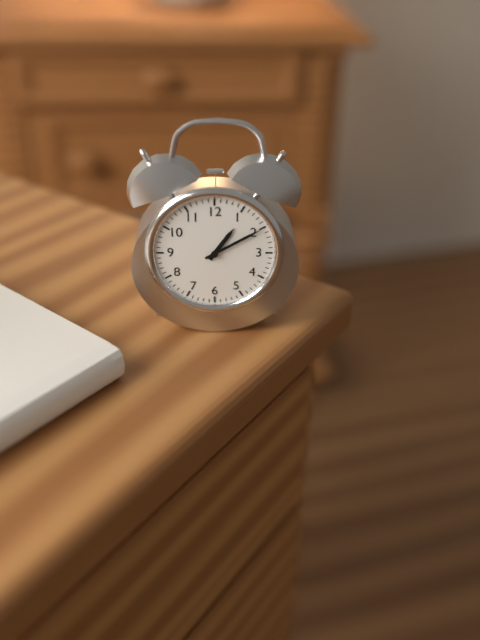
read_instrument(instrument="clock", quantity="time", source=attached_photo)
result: 1:10
